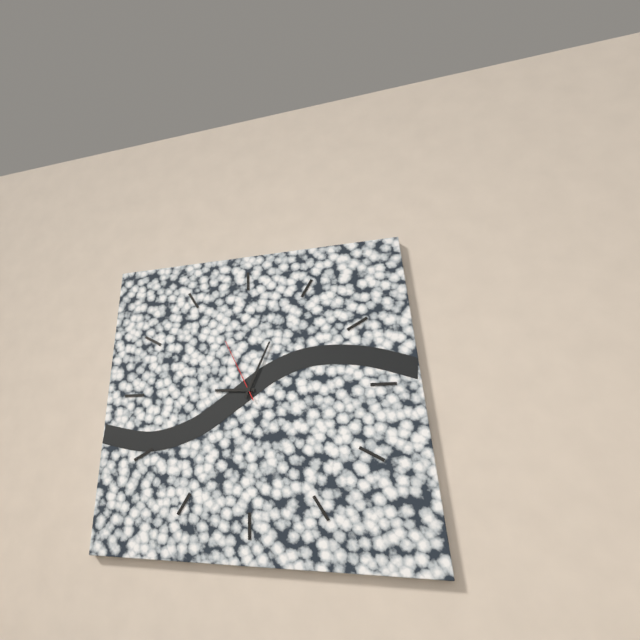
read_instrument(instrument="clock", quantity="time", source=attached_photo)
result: 9:04:56
